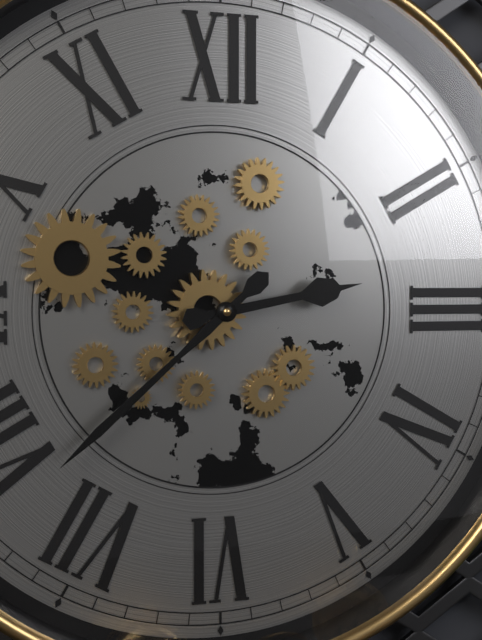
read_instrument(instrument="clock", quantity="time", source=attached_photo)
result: 2:38
